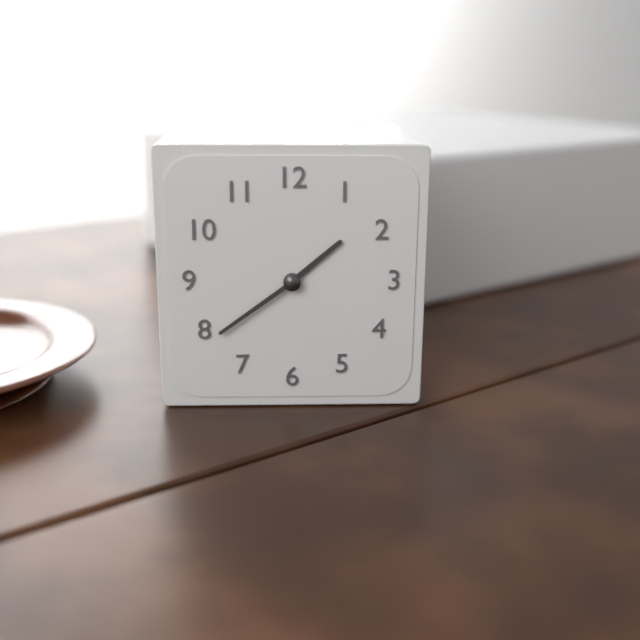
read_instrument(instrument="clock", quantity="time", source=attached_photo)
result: 1:39
